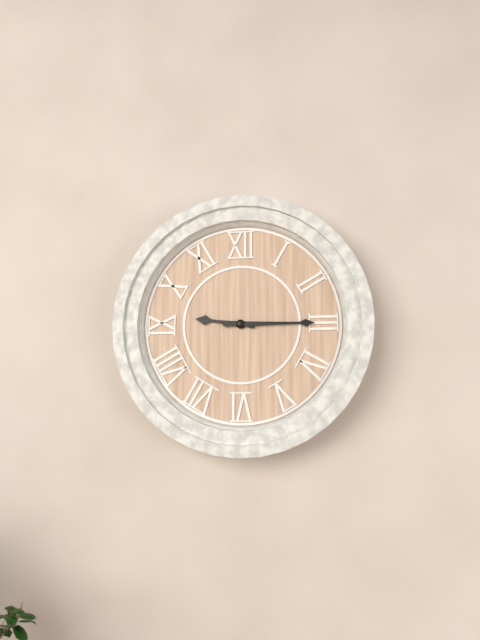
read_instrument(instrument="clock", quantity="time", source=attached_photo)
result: 9:15
